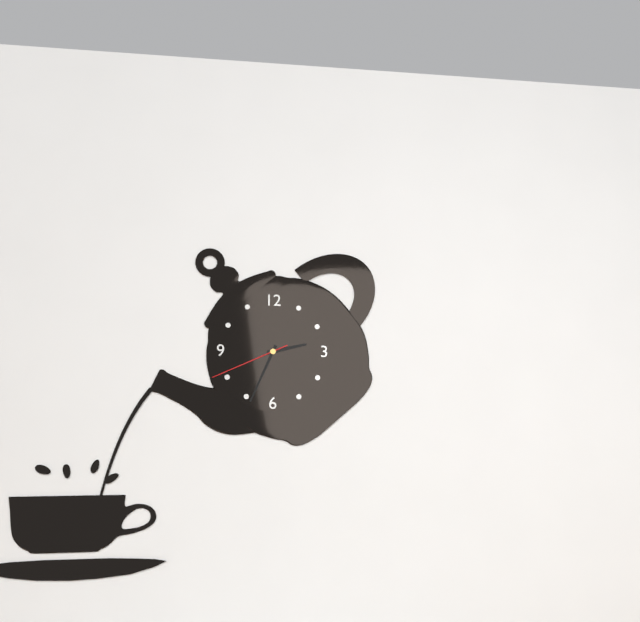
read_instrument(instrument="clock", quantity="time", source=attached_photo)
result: 2:34:41
